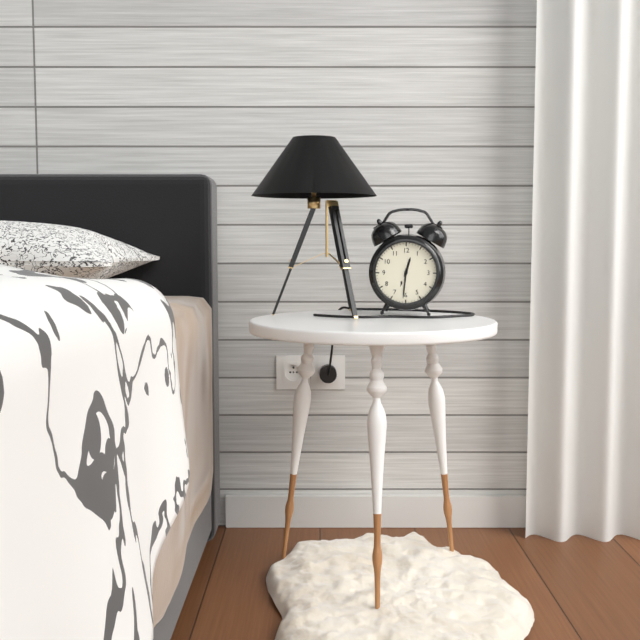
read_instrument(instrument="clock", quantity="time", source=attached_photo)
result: 12:31
